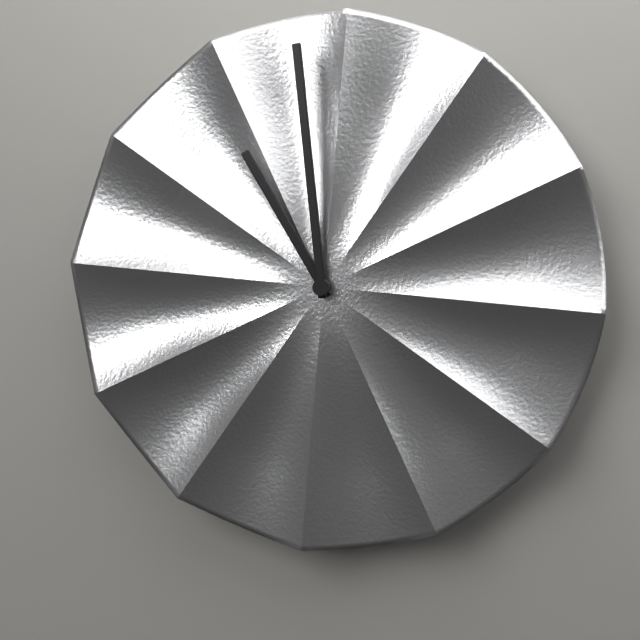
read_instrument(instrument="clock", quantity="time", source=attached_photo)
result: 10:59
